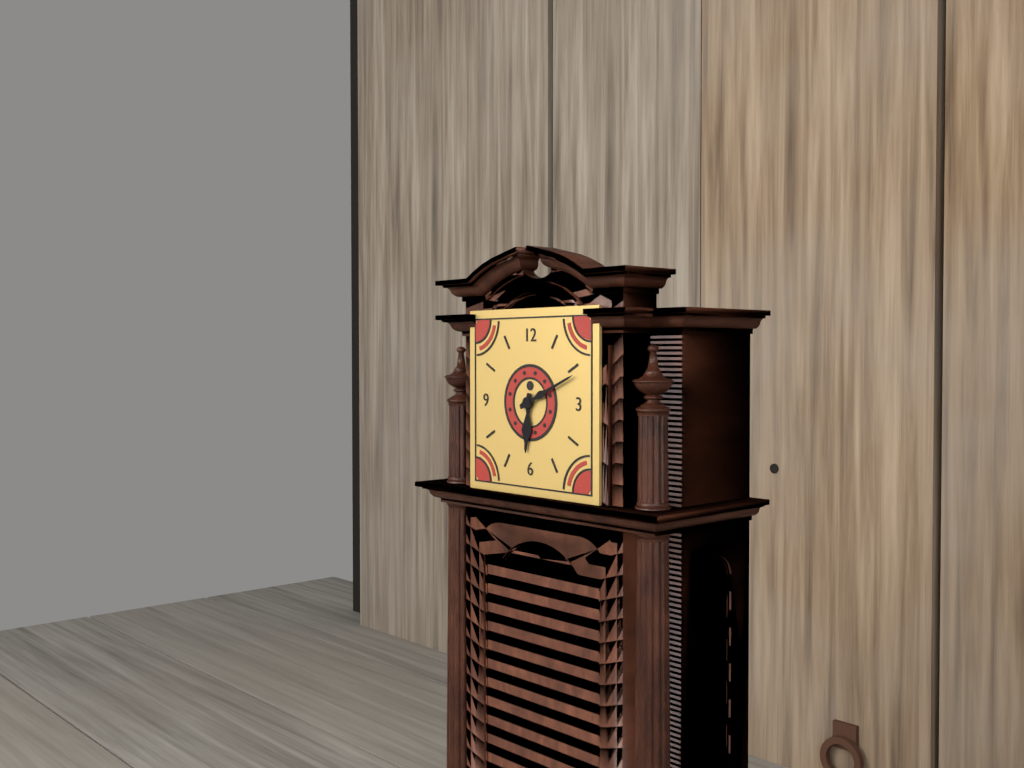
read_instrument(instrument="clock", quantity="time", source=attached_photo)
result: 6:11
